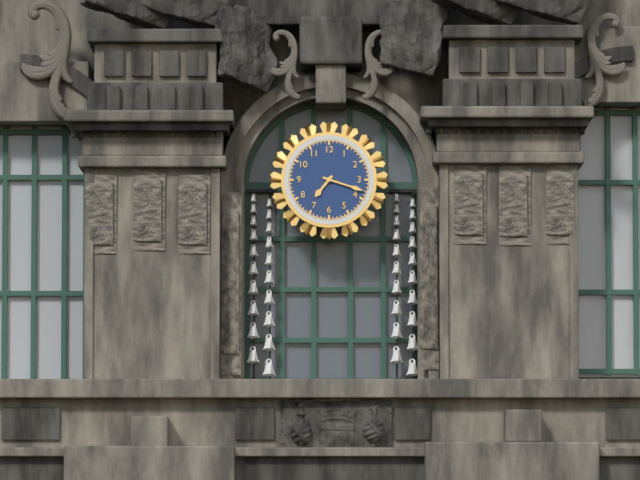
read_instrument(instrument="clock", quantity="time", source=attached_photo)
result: 7:18
